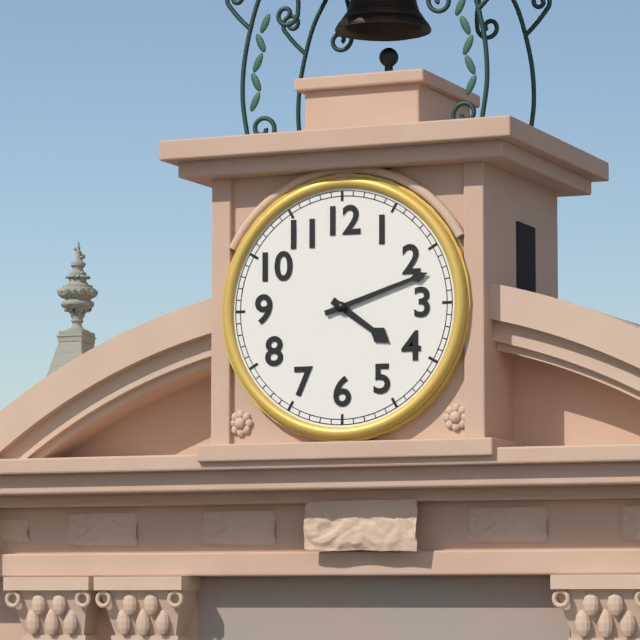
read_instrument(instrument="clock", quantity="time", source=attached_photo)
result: 4:12
